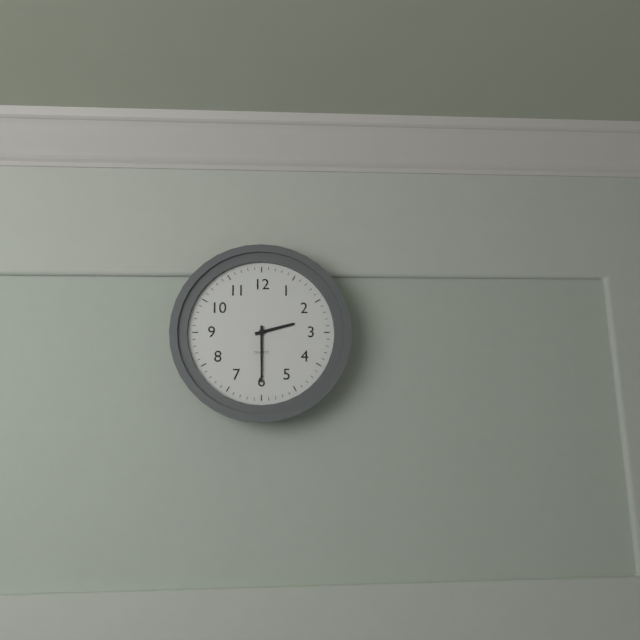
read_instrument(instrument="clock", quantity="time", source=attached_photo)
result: 2:30
